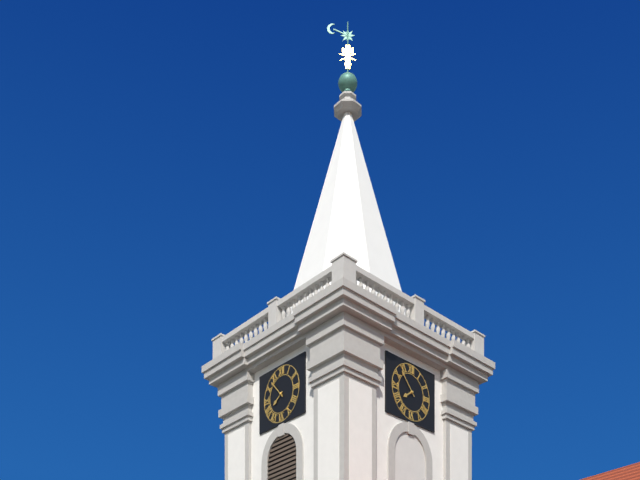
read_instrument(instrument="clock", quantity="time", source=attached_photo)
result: 7:53
